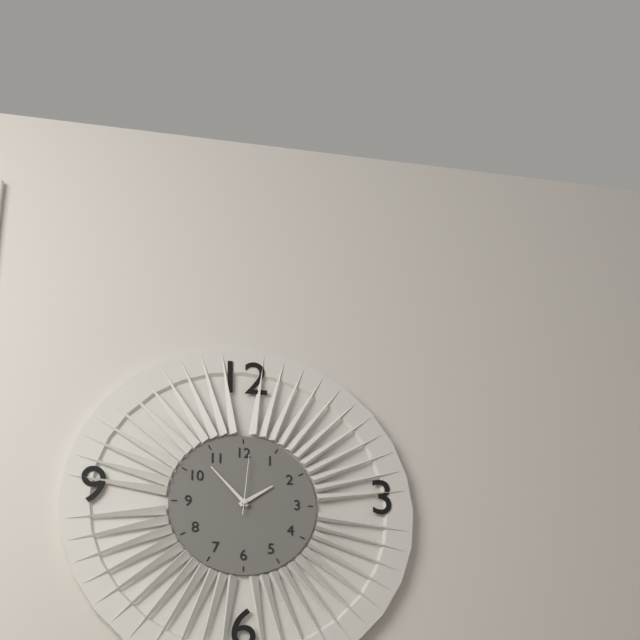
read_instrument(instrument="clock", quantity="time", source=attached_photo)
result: 1:53:01
